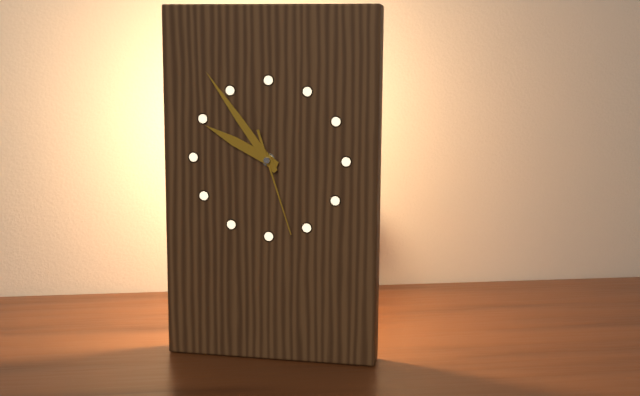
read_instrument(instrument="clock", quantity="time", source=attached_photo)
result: 9:54:27
